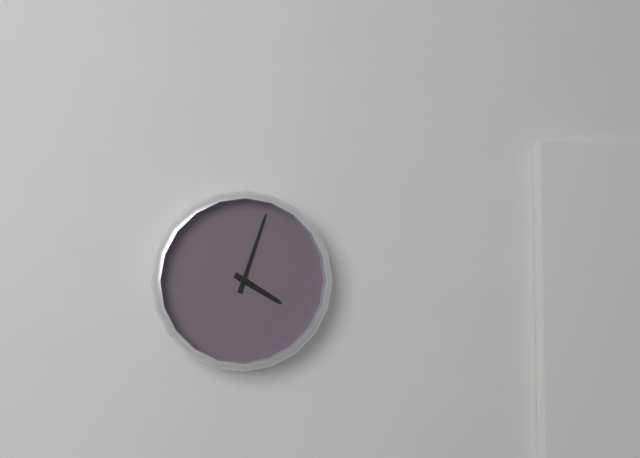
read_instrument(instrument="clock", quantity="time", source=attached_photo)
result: 4:03
